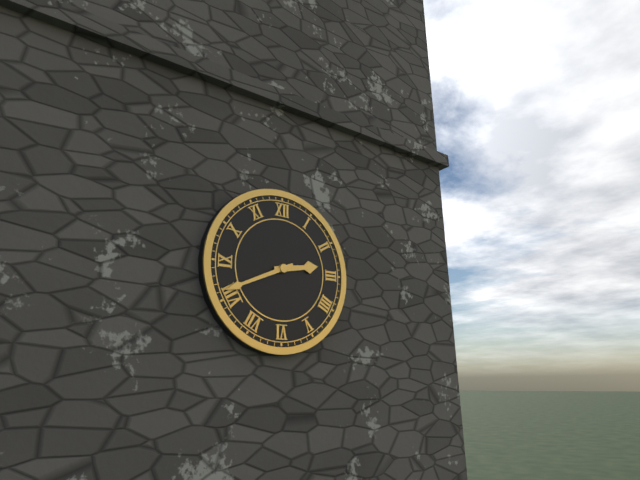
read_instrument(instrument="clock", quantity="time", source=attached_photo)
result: 2:41
